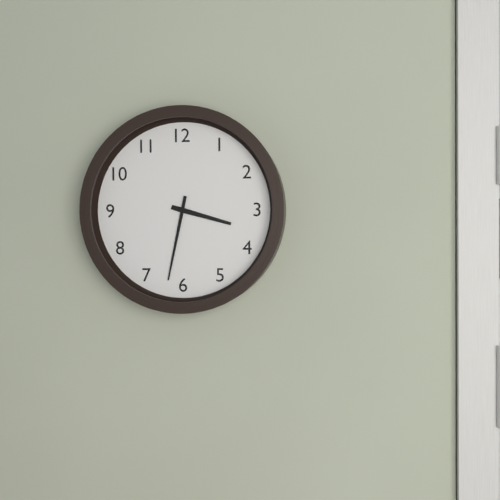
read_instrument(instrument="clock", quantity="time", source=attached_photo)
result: 3:32
